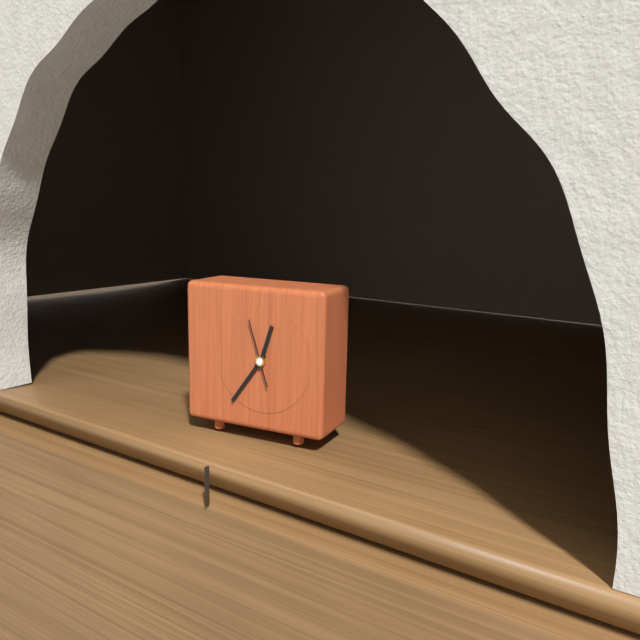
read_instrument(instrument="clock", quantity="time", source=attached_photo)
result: 12:36:57
